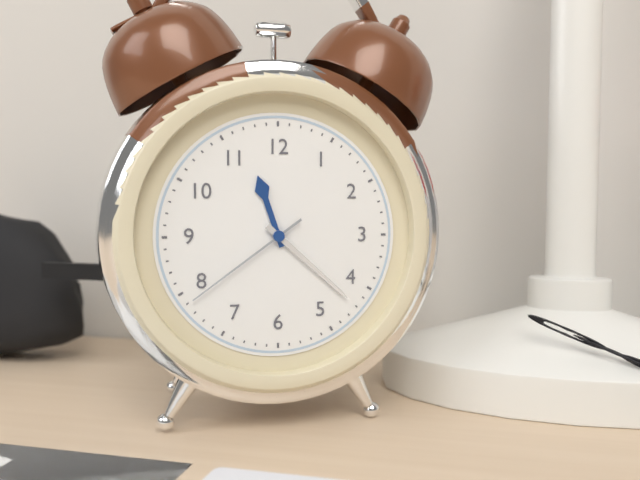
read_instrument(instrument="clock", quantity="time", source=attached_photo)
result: 11:22:39
